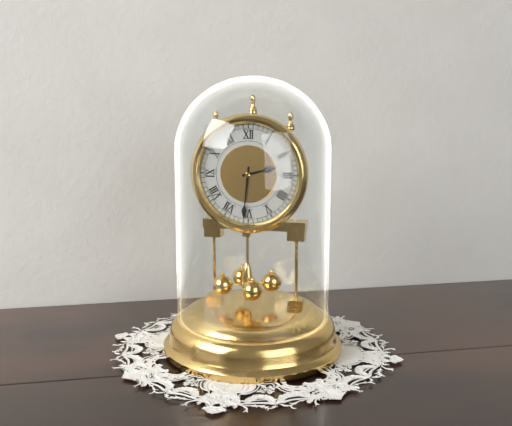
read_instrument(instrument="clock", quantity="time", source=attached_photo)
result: 2:31
